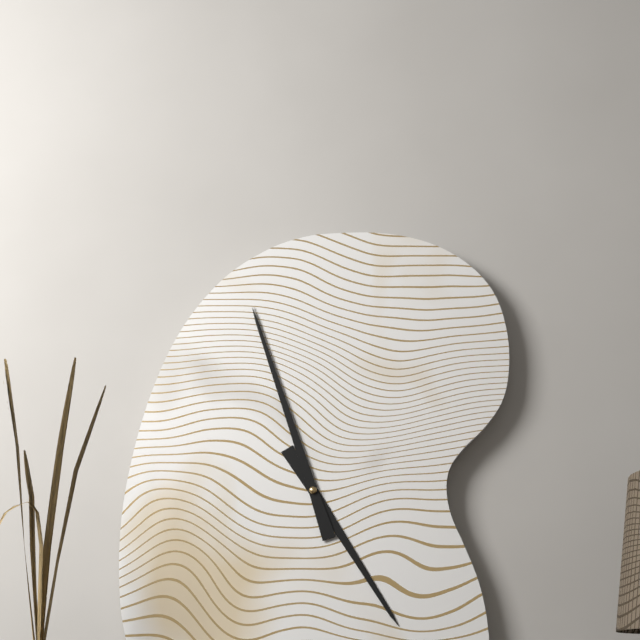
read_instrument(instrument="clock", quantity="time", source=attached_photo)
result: 4:57
